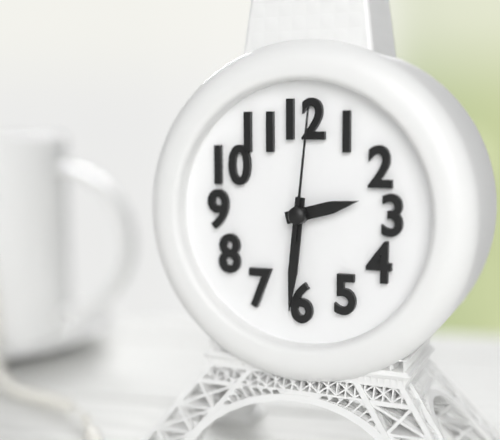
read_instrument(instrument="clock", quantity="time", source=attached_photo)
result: 2:31:01
